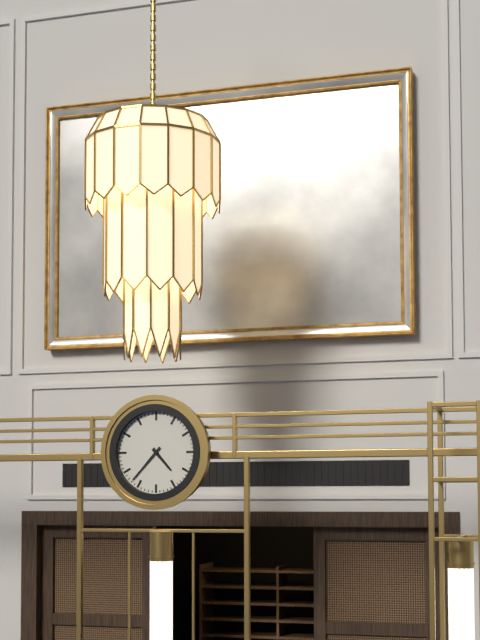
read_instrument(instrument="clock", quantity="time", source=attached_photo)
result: 4:37
